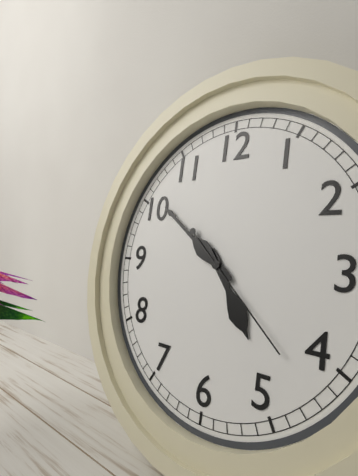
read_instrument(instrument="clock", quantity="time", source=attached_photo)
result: 4:51:22
